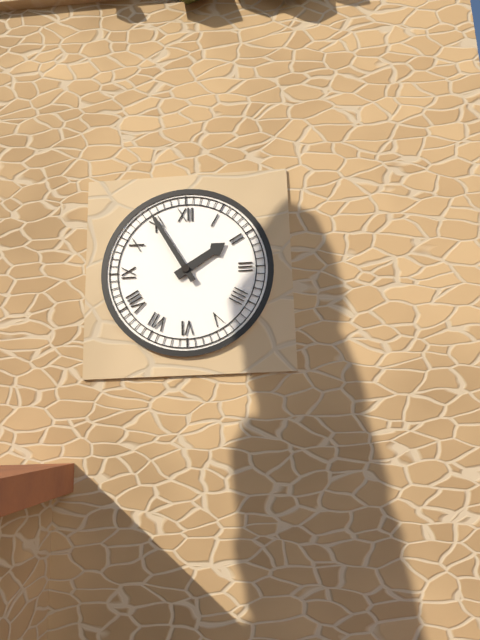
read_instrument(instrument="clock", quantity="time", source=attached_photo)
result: 1:55
